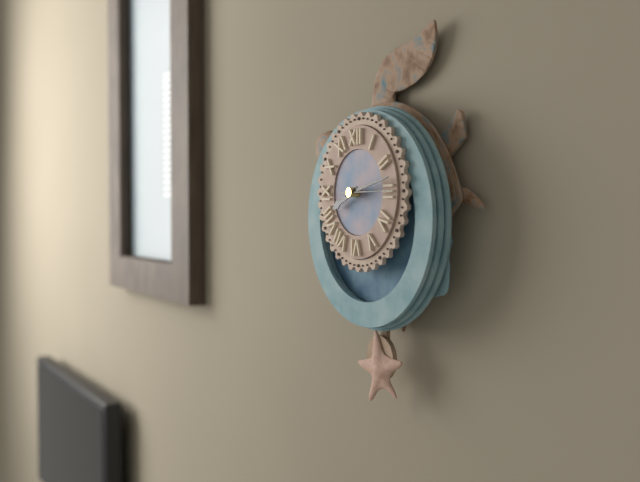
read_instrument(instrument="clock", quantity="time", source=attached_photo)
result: 8:13
